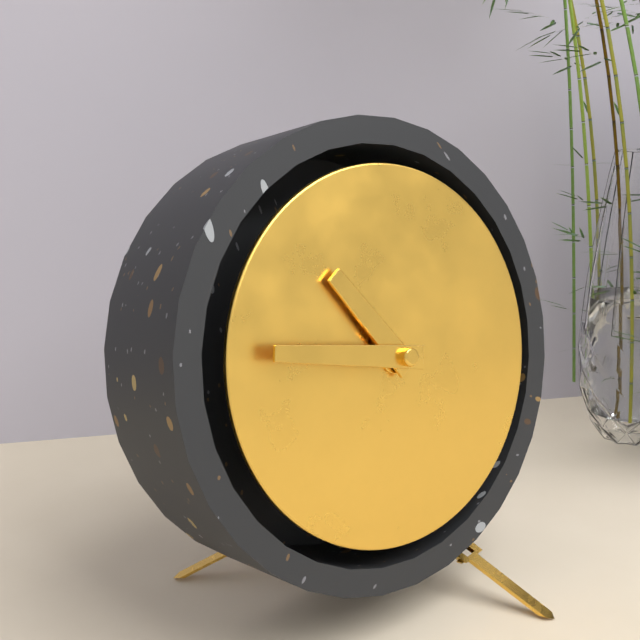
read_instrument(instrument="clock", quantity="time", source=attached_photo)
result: 10:47
